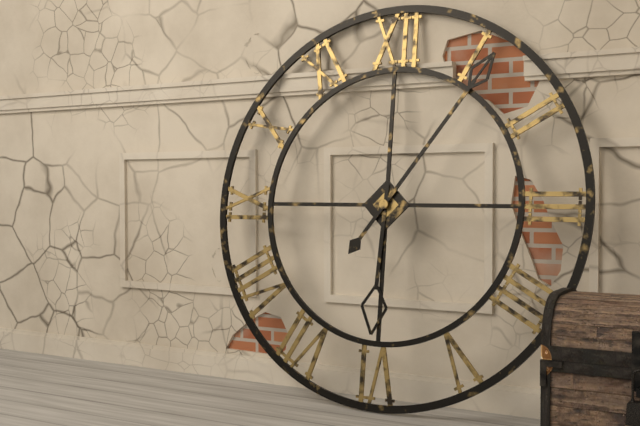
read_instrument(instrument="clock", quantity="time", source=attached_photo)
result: 6:06
